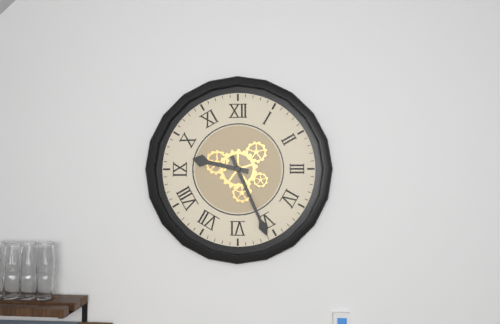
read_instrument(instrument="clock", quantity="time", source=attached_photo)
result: 9:26
